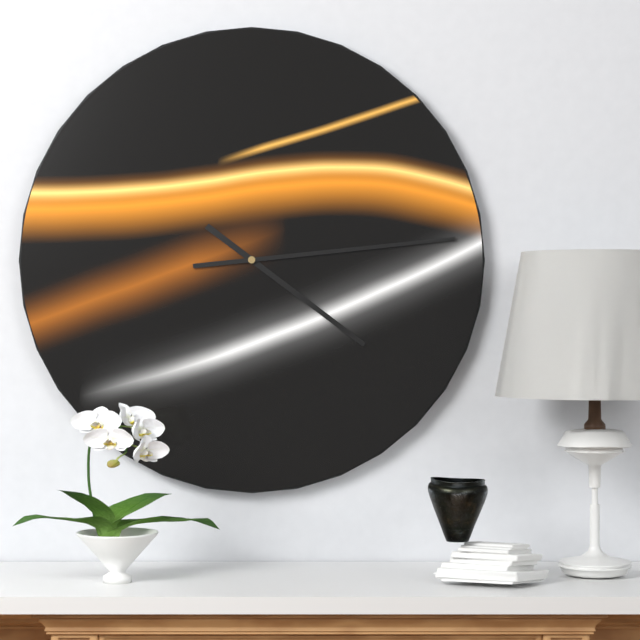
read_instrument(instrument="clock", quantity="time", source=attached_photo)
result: 4:14
